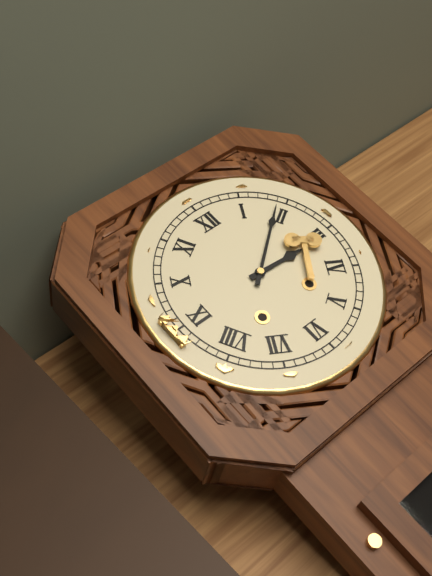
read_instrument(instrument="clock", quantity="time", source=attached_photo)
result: 3:09
